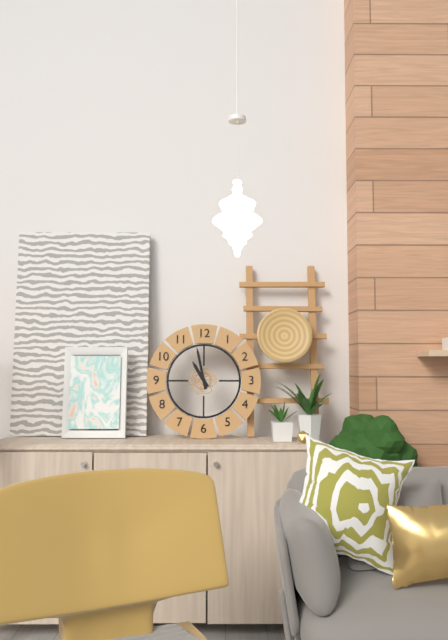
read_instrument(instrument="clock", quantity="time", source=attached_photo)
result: 10:58
